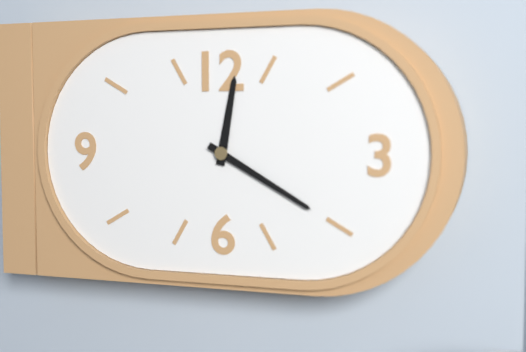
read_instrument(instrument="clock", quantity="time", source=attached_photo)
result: 12:20
